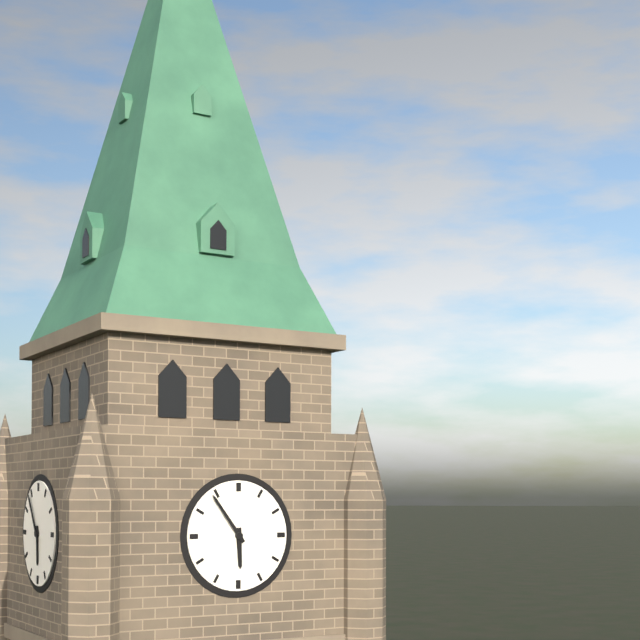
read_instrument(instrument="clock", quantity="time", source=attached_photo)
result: 5:54
